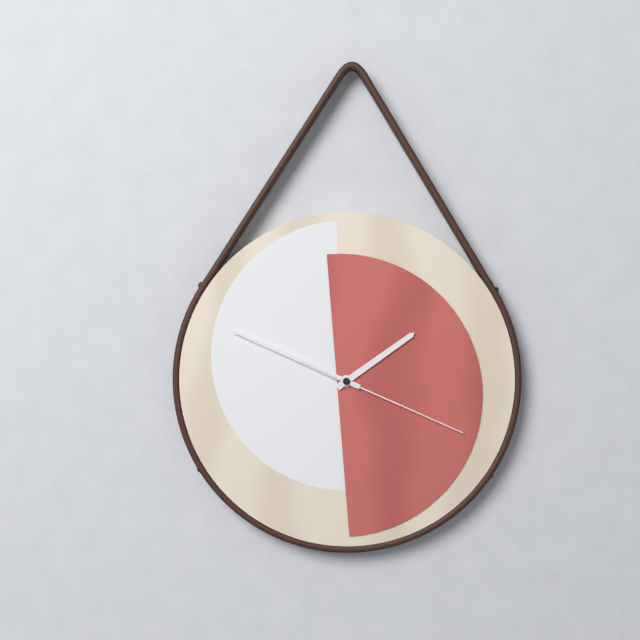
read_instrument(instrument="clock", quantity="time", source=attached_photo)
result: 1:49:19
